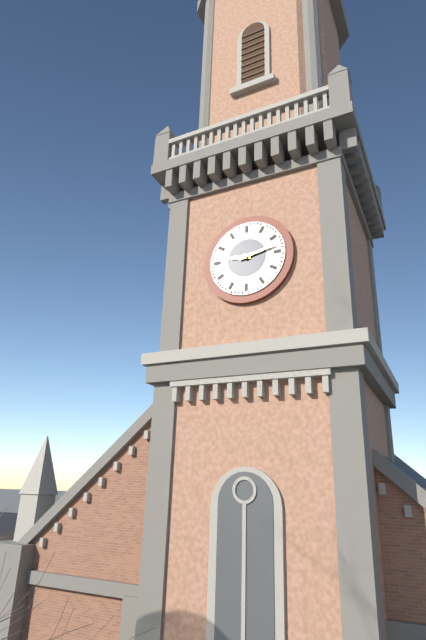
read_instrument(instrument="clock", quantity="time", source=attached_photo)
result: 9:13
